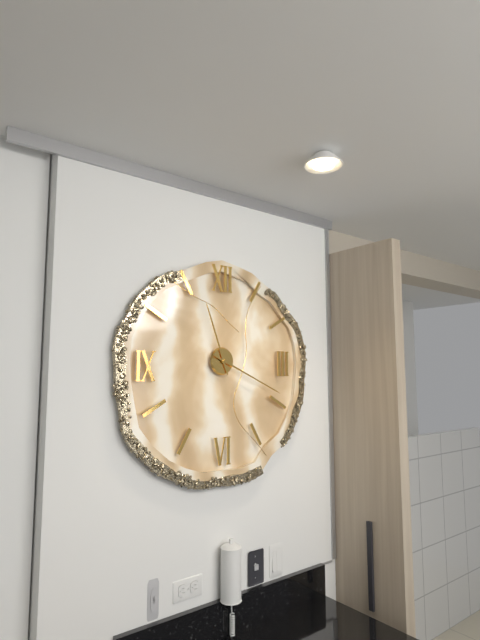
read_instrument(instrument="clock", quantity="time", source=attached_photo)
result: 11:19
